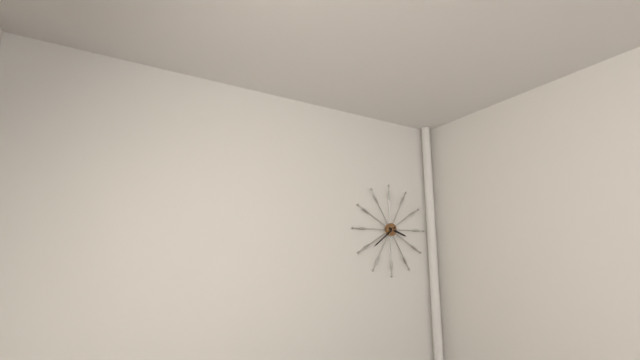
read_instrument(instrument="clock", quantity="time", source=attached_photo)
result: 3:39
